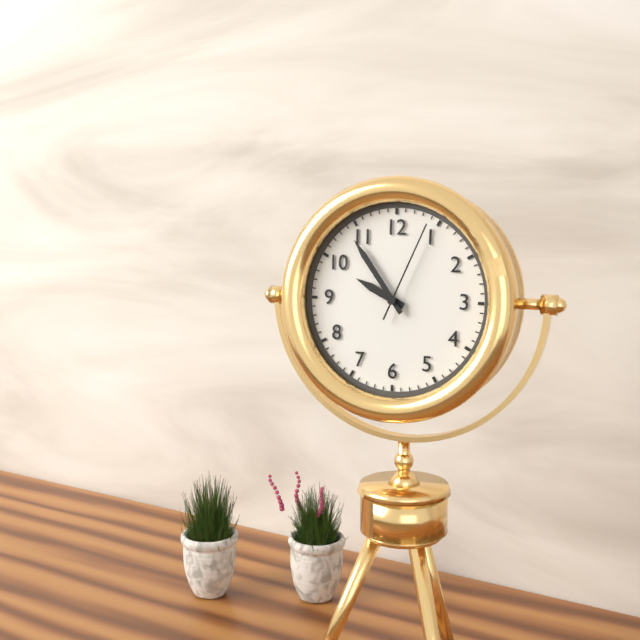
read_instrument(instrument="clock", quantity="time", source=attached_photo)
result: 9:54:04
